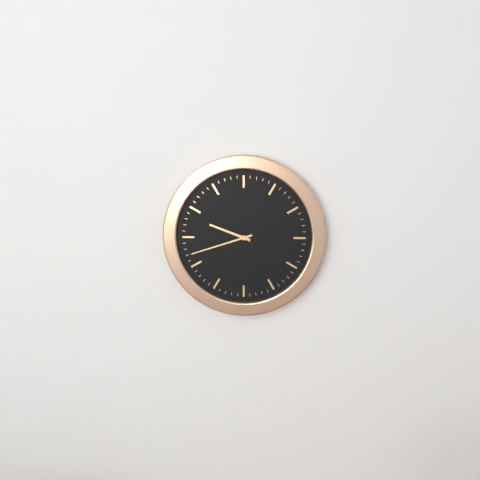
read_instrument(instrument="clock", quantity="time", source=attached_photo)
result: 9:42
